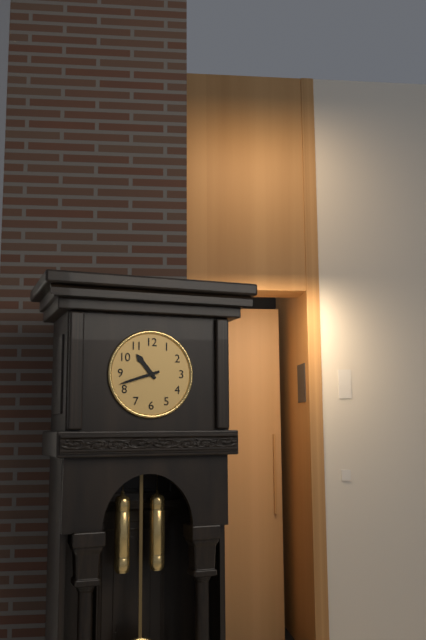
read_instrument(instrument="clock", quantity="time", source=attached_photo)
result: 10:42
